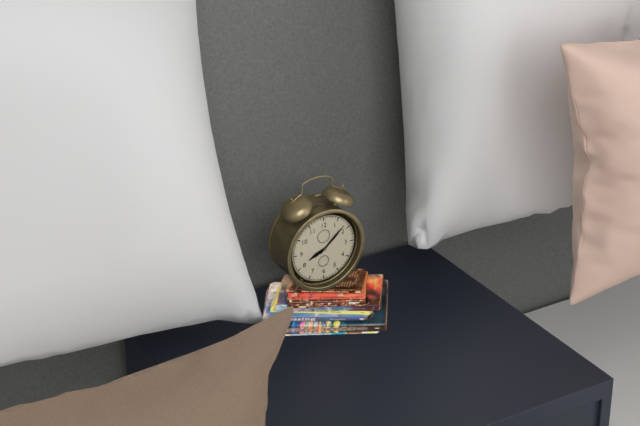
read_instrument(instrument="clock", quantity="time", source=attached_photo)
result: 8:08
